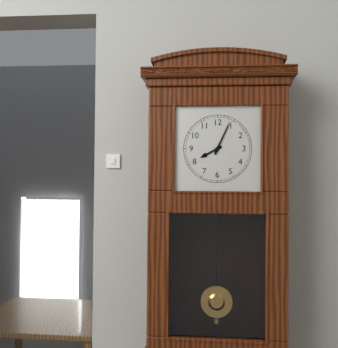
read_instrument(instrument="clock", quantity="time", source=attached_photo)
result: 8:04
